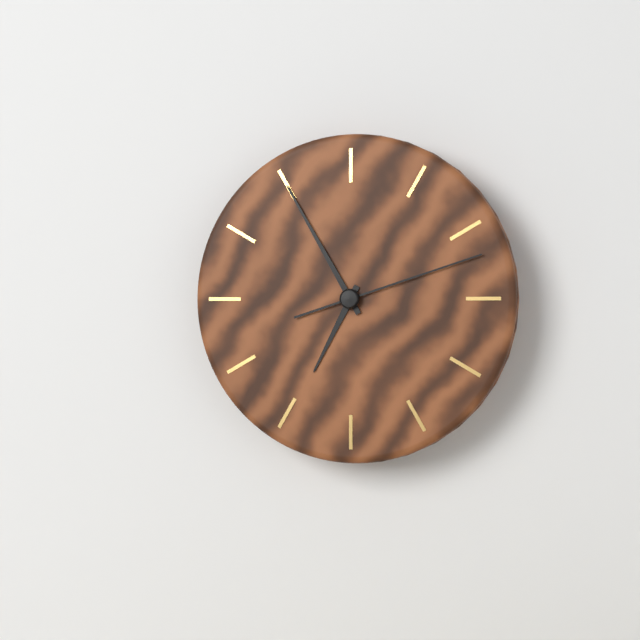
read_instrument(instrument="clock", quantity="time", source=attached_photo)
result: 6:55:12
